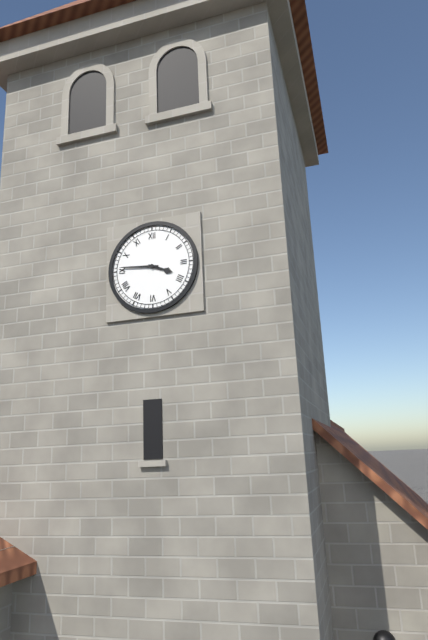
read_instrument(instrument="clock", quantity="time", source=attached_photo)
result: 3:46
